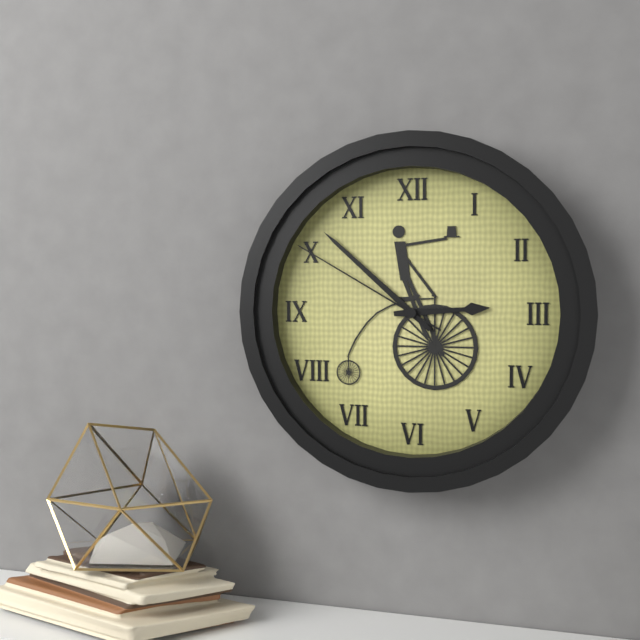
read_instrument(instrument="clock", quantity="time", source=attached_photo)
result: 2:52:50
